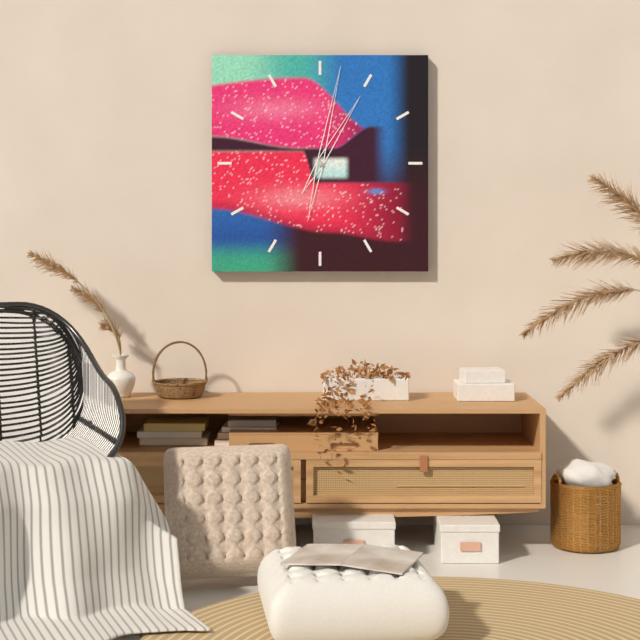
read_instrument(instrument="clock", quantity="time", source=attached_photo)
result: 1:02
